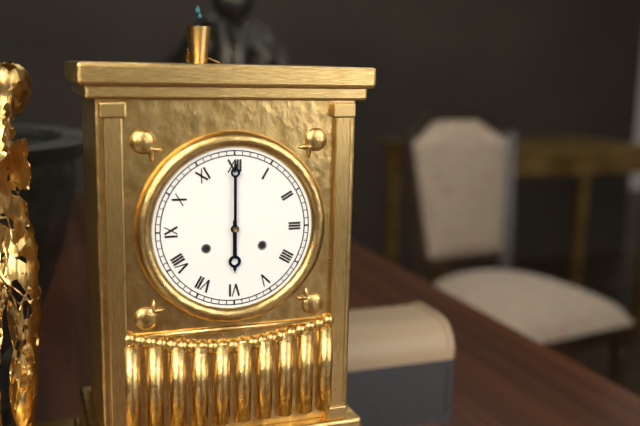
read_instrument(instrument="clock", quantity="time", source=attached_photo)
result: 6:00
